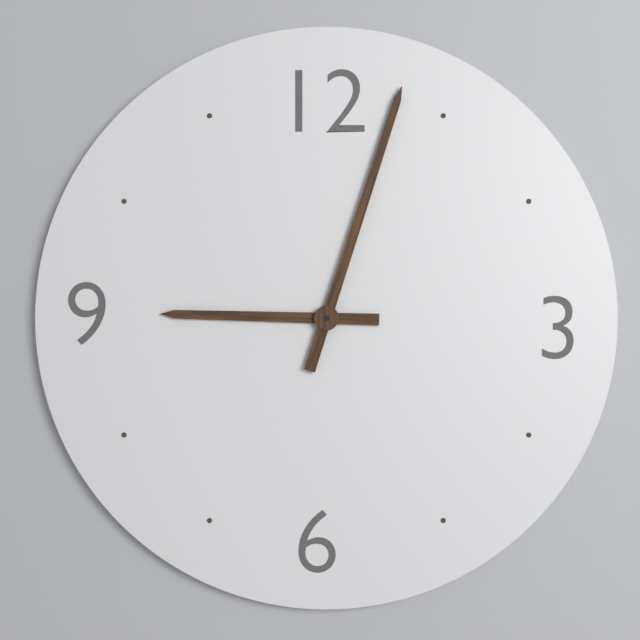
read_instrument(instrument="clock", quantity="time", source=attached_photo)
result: 9:03
